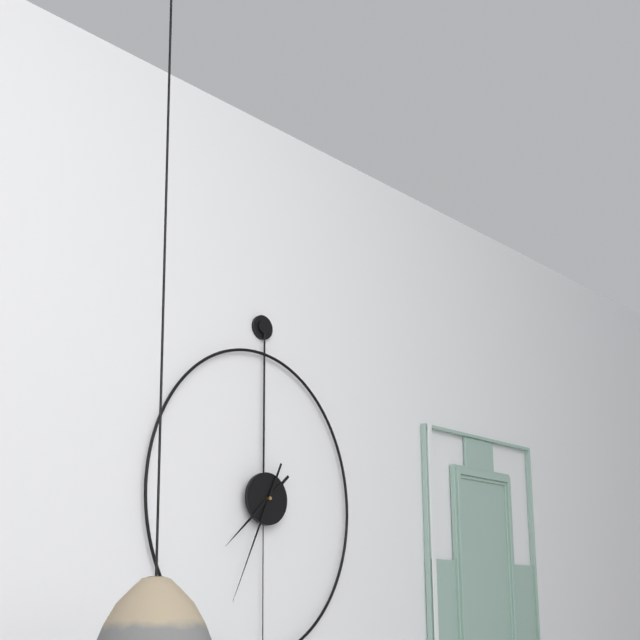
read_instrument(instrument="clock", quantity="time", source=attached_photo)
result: 7:34
